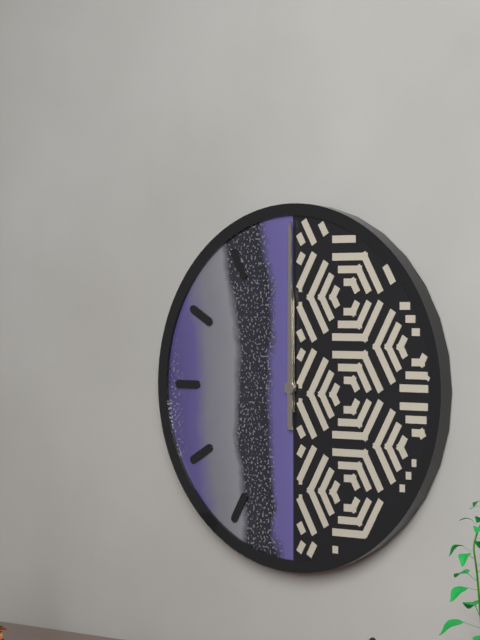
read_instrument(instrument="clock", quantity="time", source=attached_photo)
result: 12:00
